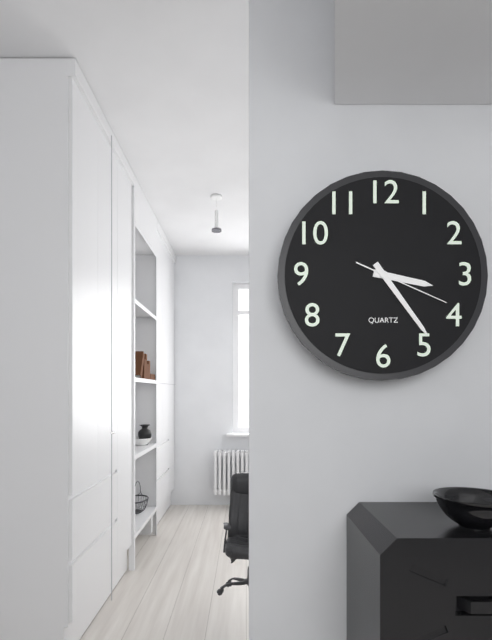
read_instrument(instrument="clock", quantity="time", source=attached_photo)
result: 3:24:19
